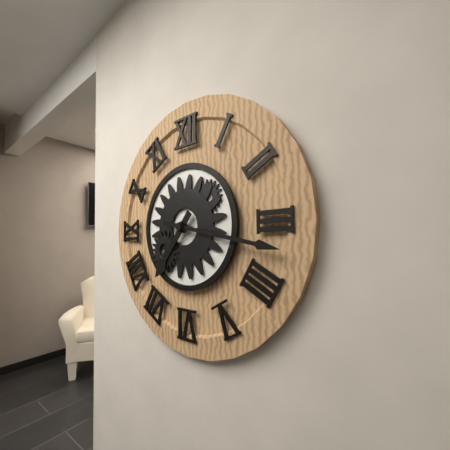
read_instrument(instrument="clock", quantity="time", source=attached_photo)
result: 7:17
